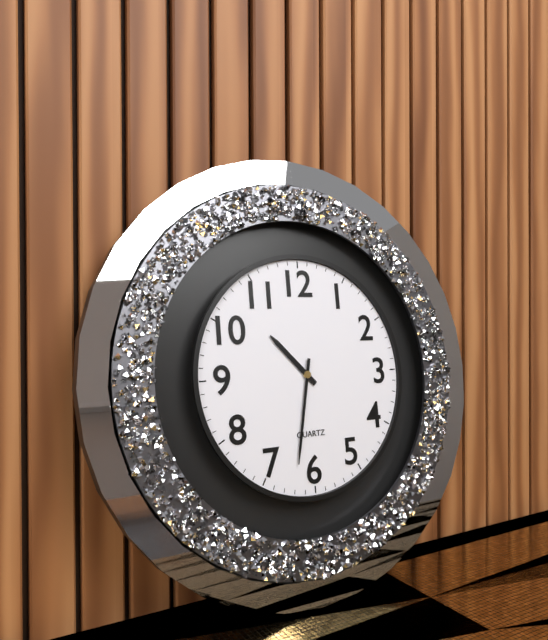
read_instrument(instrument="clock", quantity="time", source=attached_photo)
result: 10:32
